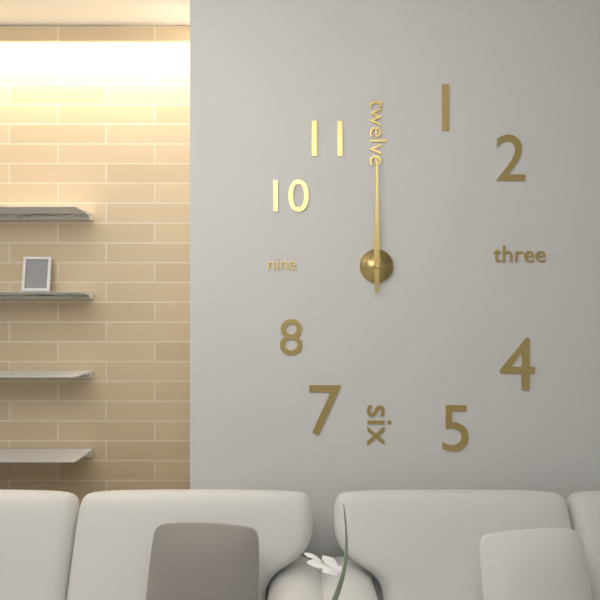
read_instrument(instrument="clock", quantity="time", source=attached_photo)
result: 12:00
